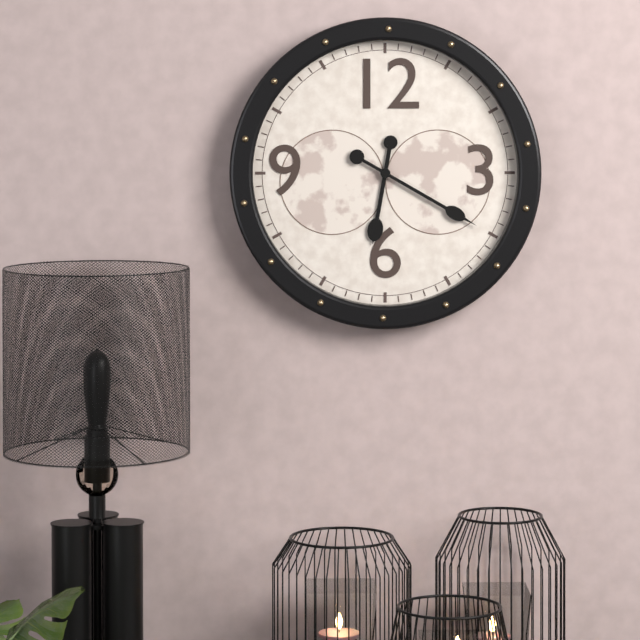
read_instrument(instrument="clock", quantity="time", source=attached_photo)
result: 6:20
